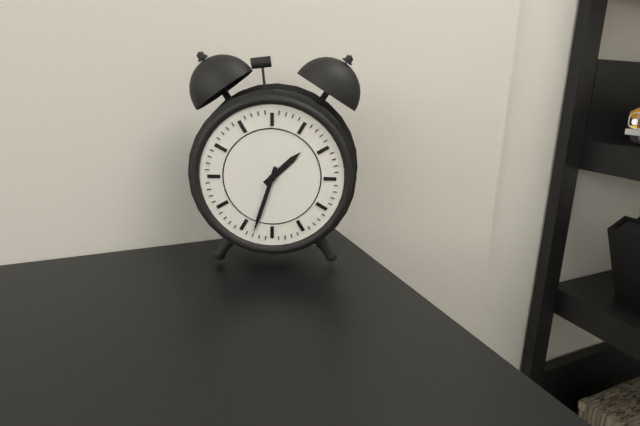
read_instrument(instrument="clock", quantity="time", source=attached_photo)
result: 1:33
